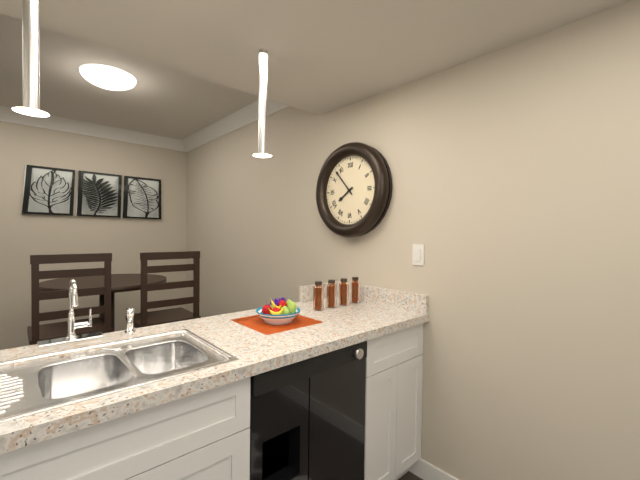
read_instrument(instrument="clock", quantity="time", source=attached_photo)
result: 7:53
